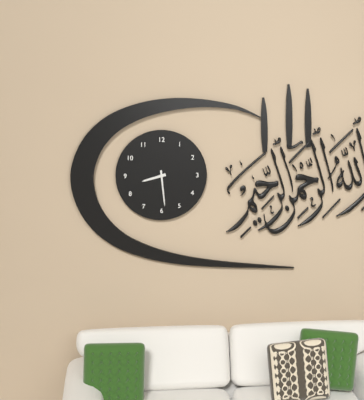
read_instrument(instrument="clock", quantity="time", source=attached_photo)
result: 8:29
